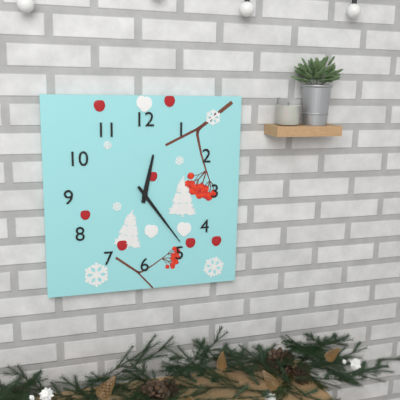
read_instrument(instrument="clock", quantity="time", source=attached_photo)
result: 12:24
